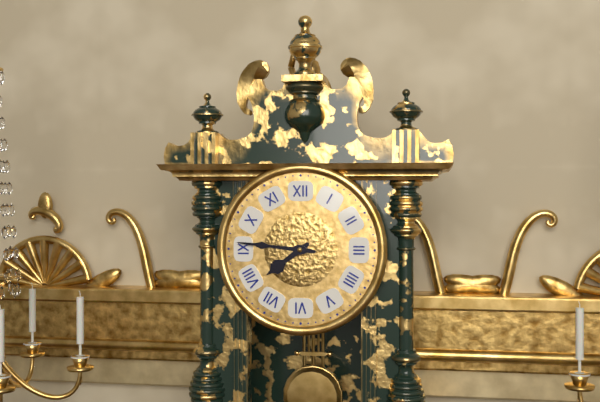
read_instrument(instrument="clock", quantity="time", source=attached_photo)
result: 7:46
